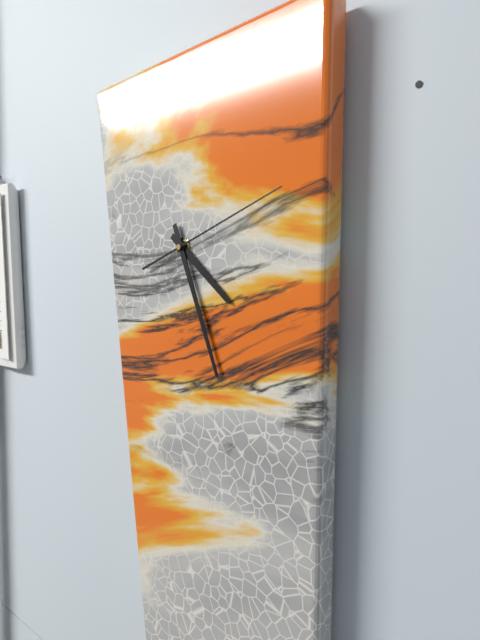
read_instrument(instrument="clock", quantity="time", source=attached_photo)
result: 4:27:12
